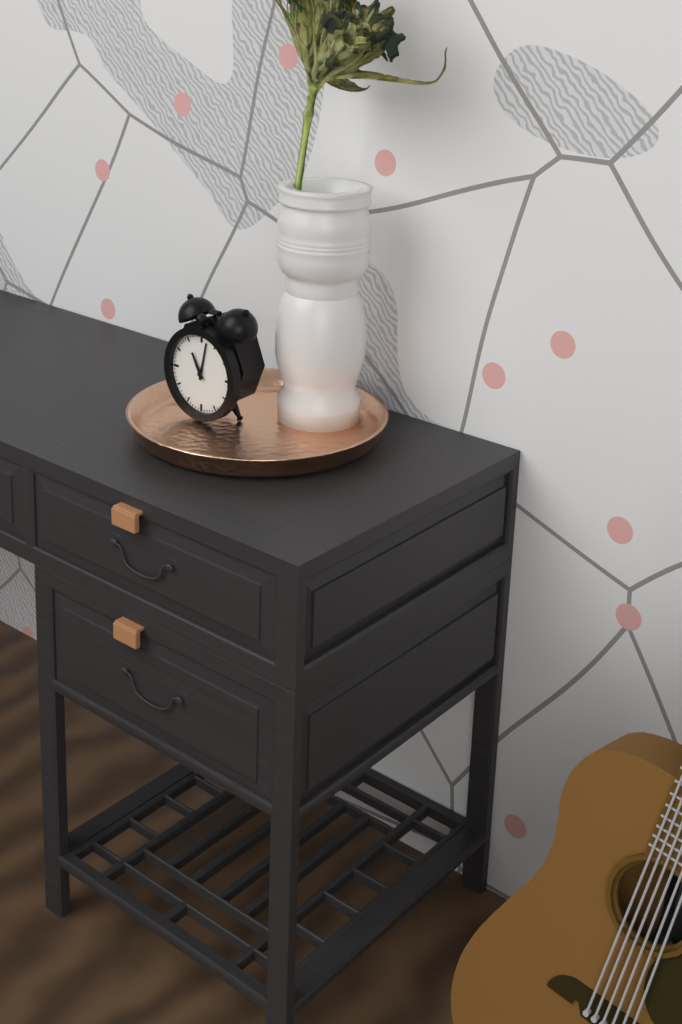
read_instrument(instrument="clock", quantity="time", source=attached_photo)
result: 11:02
